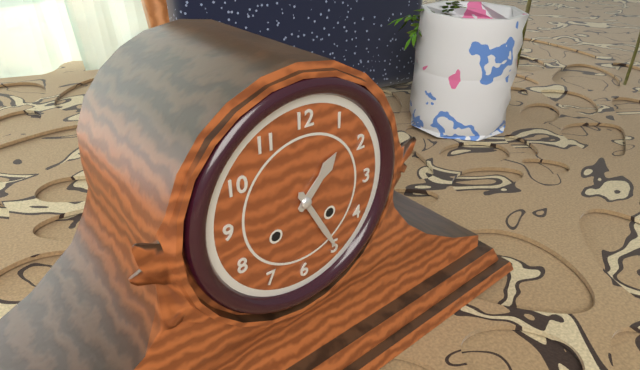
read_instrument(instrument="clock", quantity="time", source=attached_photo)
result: 1:25
